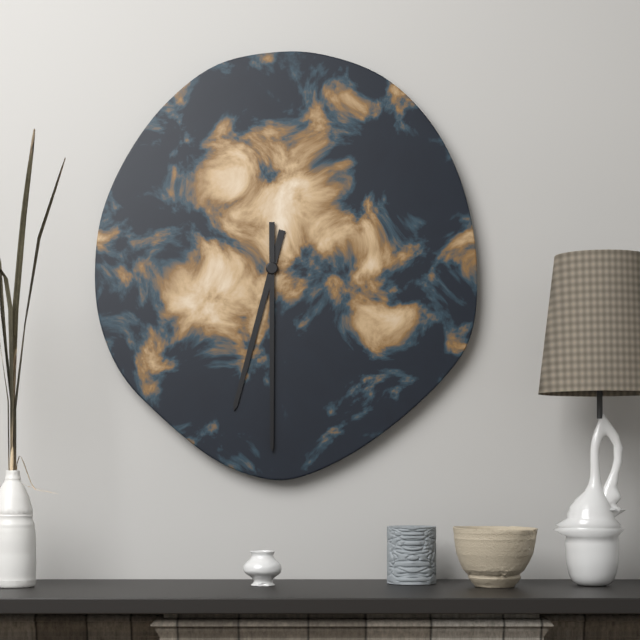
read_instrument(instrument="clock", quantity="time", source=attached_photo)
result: 6:30
